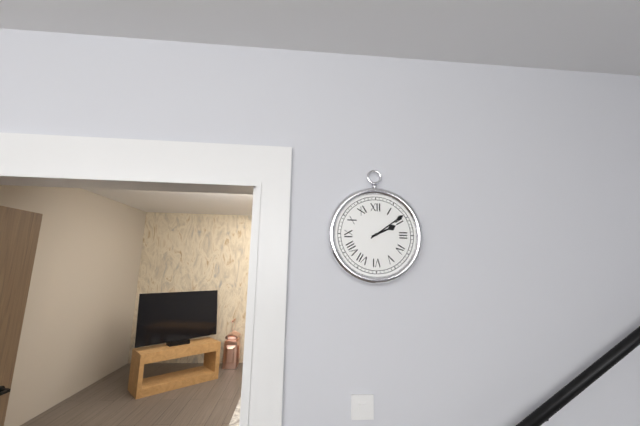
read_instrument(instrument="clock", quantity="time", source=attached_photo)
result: 2:09
